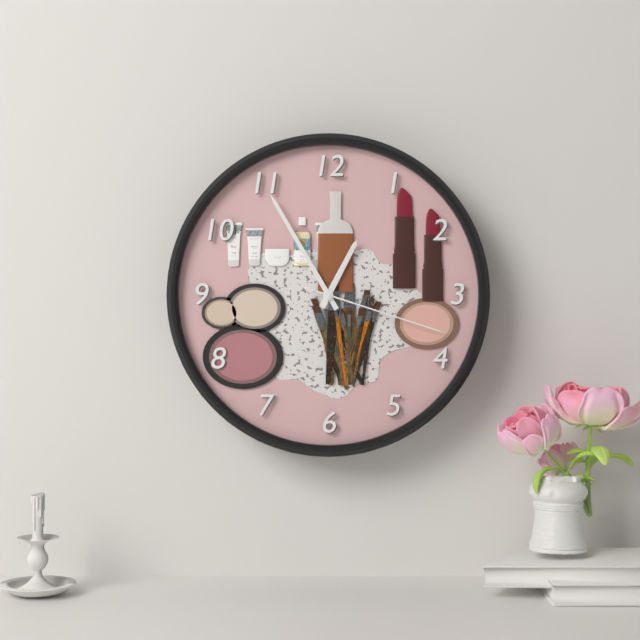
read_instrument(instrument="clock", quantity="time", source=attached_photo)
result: 12:55:18
